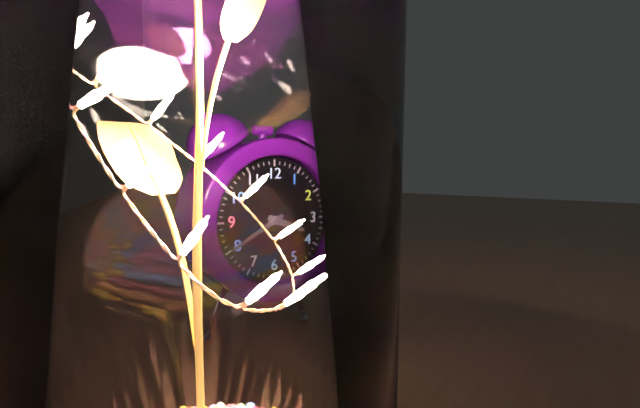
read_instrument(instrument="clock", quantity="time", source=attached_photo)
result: 3:40
